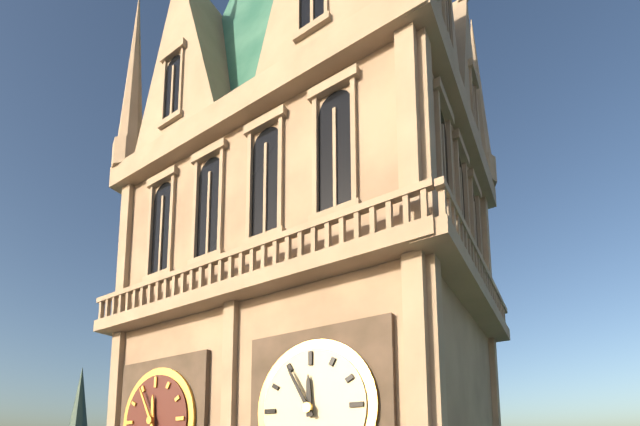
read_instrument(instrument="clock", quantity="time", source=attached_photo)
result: 11:55
